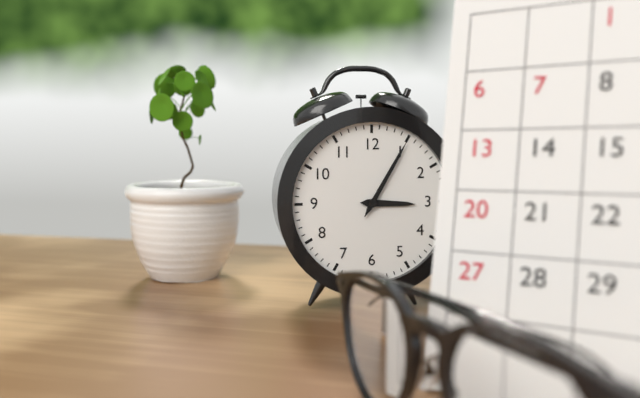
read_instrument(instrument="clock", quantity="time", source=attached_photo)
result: 3:05
